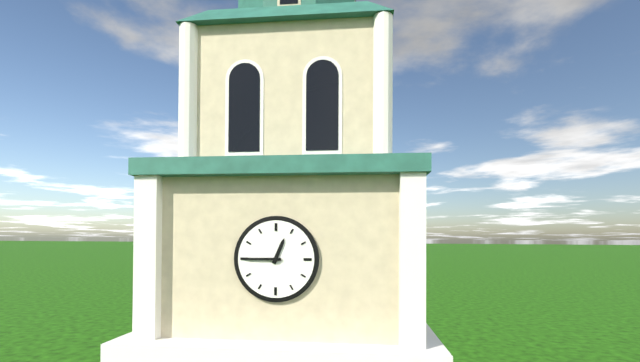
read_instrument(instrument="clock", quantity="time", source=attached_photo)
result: 12:45
